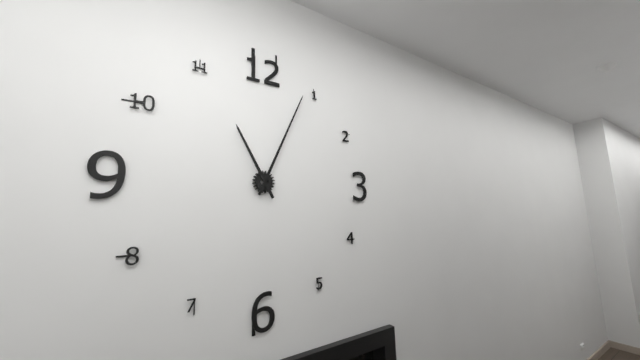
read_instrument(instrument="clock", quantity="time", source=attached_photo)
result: 11:04
